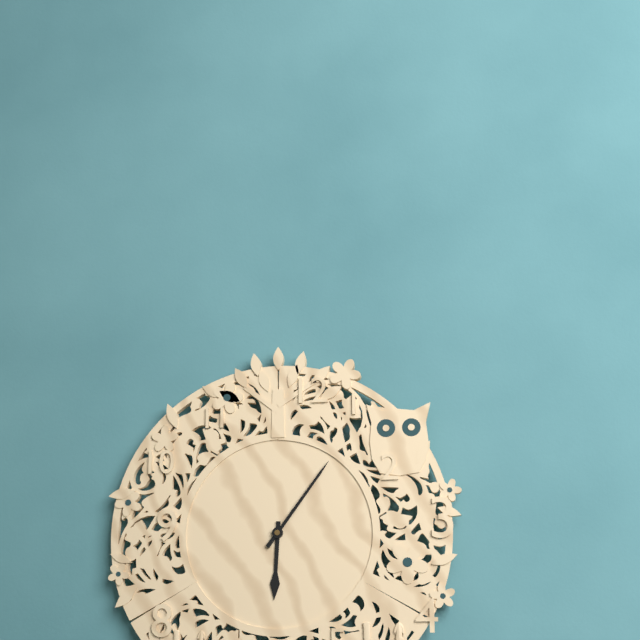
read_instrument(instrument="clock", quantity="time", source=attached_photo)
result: 6:06
